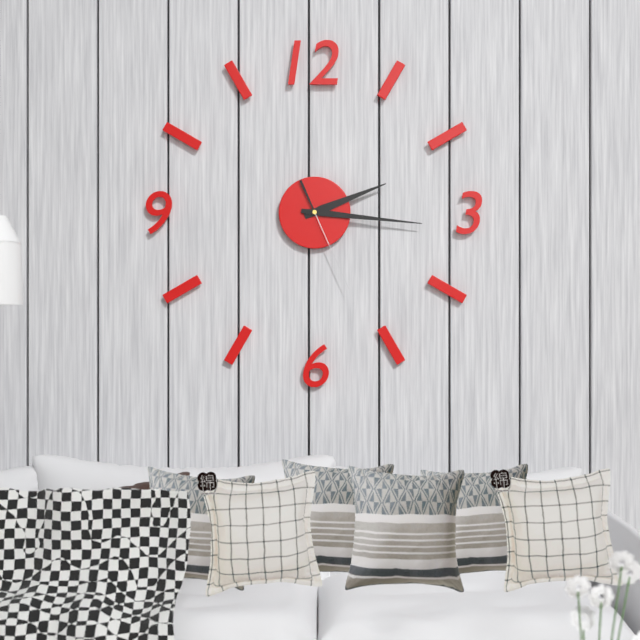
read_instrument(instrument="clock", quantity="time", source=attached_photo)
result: 2:16:26
